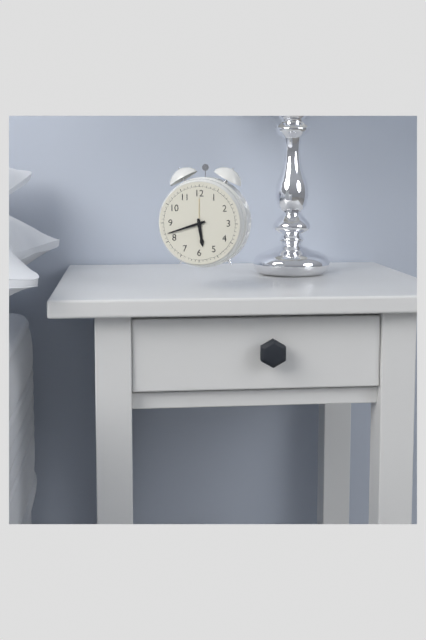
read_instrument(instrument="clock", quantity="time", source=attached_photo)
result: 5:42
